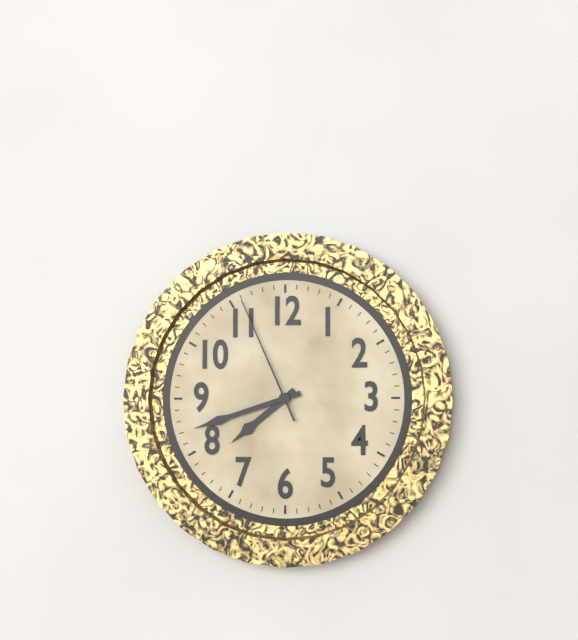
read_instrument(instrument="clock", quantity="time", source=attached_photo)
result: 7:42:56
